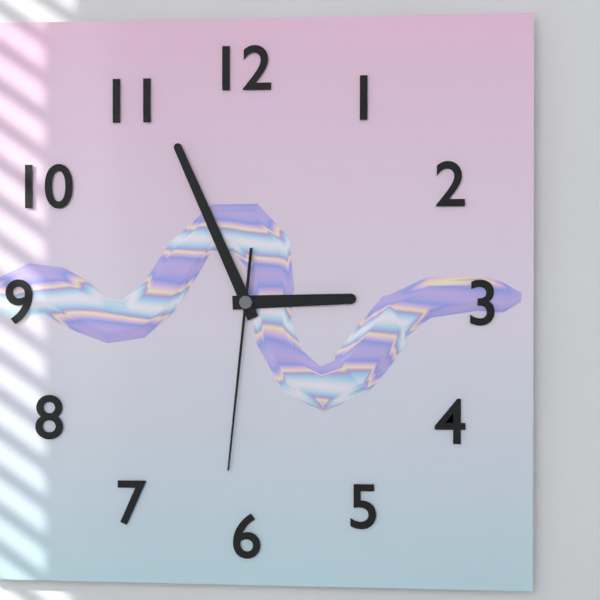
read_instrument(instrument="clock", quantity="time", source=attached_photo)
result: 2:56:31
